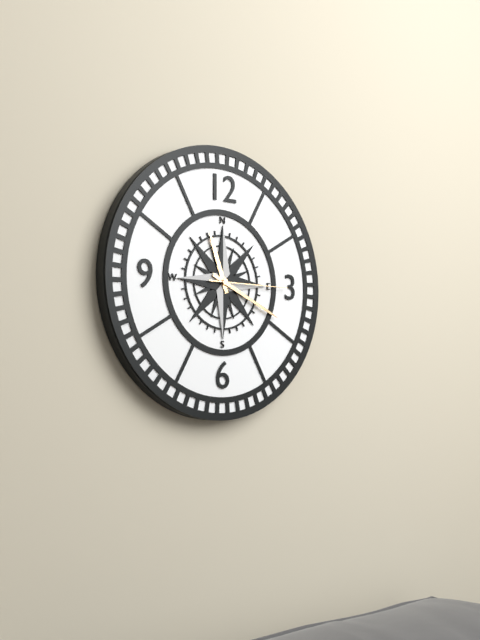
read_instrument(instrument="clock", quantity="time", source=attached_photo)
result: 11:19:15
